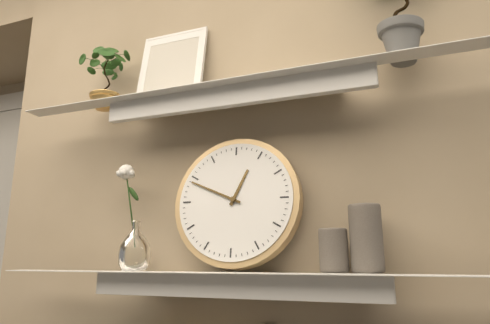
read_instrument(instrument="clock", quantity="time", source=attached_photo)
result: 12:49
